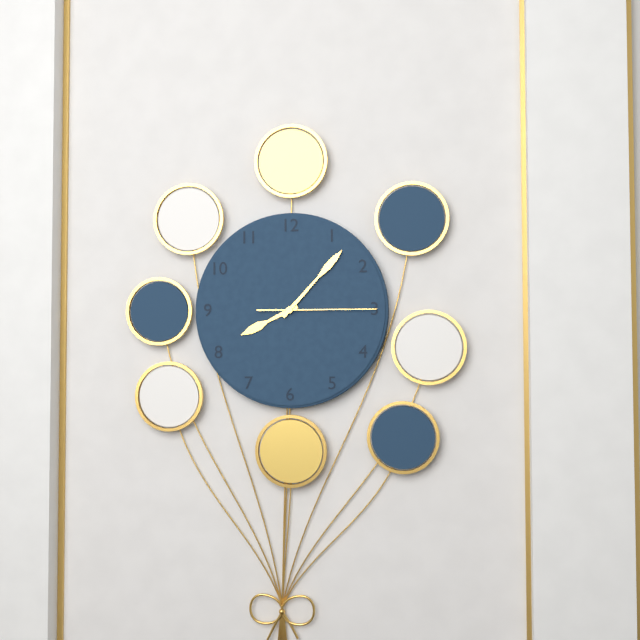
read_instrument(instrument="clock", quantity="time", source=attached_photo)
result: 8:07:15
